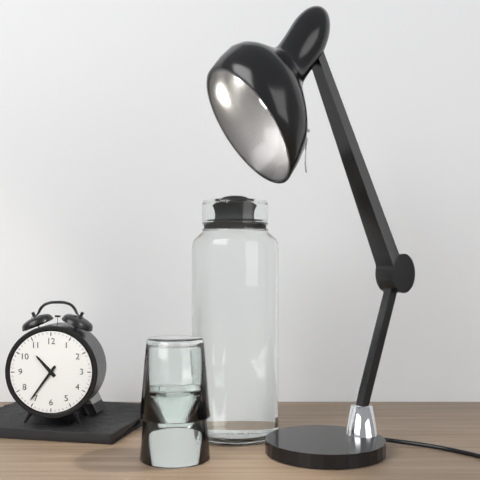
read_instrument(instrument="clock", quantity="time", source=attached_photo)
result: 10:36
